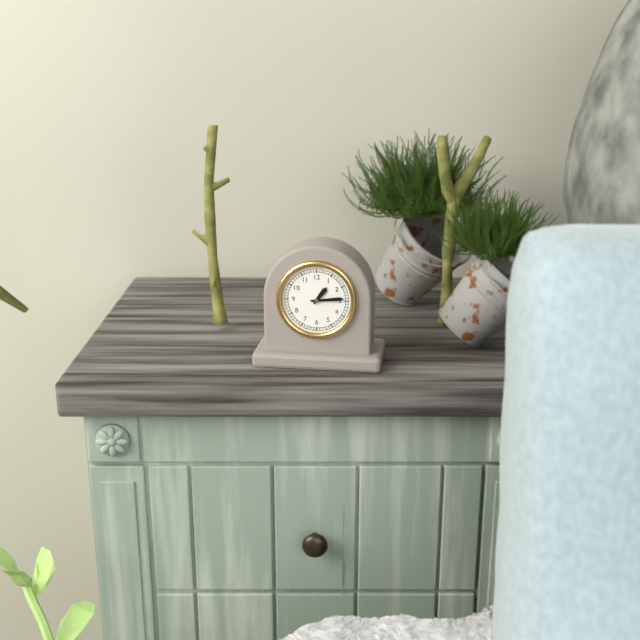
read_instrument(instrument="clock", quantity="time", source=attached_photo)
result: 1:14
